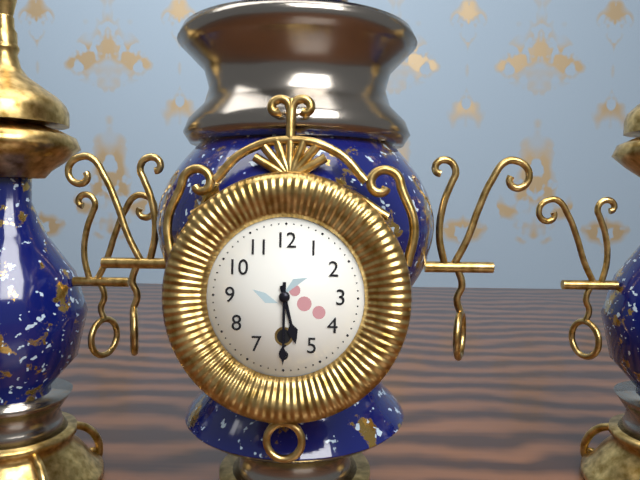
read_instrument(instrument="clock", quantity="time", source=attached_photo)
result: 5:30
